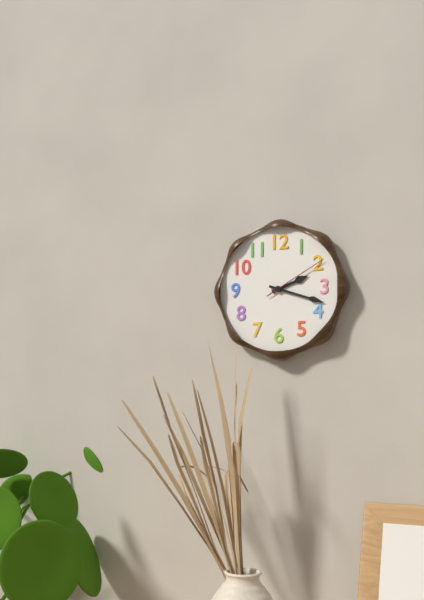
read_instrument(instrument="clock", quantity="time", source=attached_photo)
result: 2:18:10
